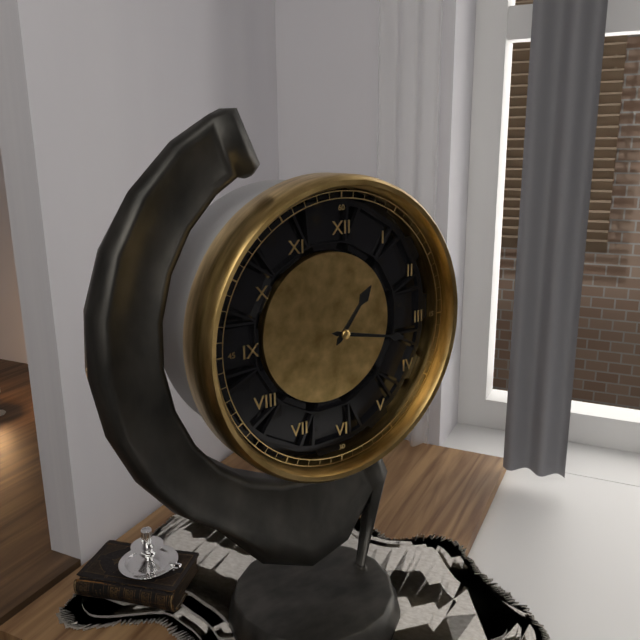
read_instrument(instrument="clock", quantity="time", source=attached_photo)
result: 1:17
